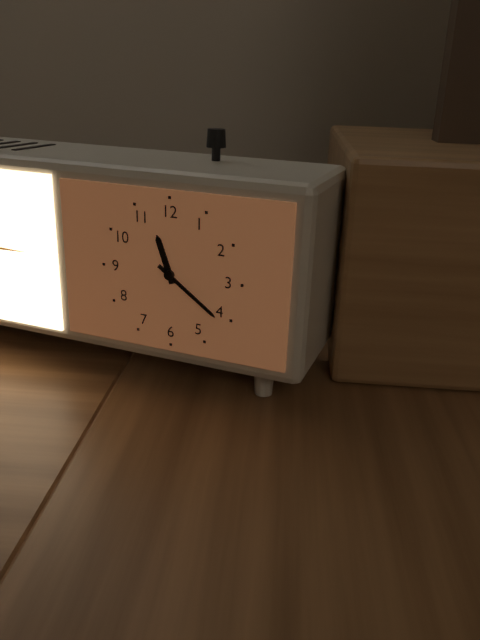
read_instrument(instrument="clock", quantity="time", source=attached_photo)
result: 11:21
